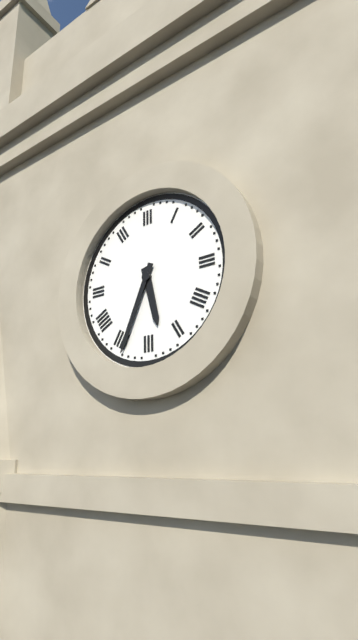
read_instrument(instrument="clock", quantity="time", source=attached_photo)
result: 5:34
